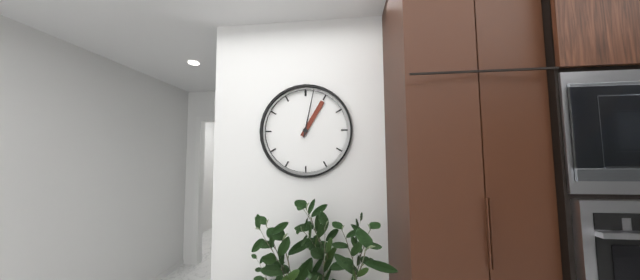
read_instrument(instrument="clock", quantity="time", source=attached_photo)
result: 1:02
